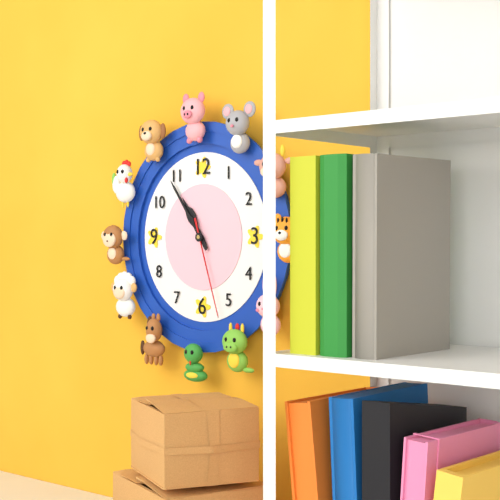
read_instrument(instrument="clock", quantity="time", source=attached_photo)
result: 10:54:27
